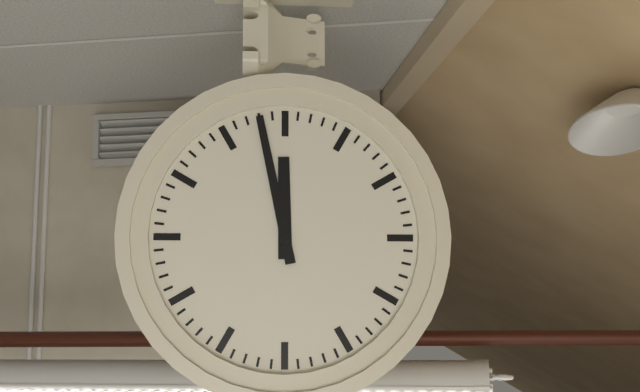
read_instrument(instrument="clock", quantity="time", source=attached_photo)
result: 11:58
